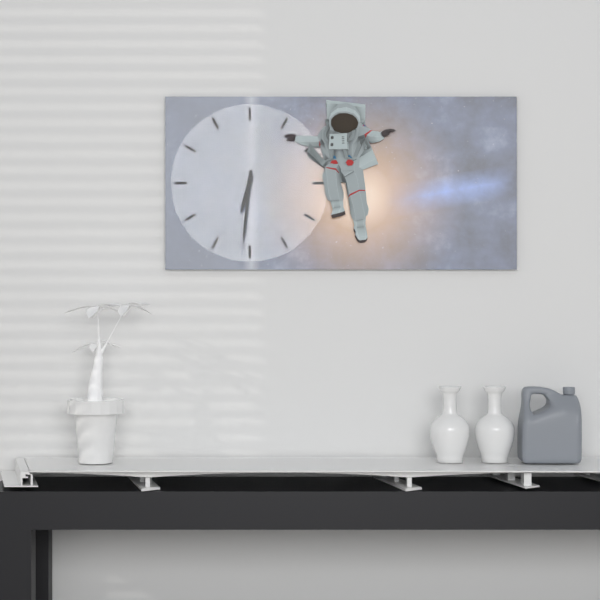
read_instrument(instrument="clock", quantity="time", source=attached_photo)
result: 6:31
